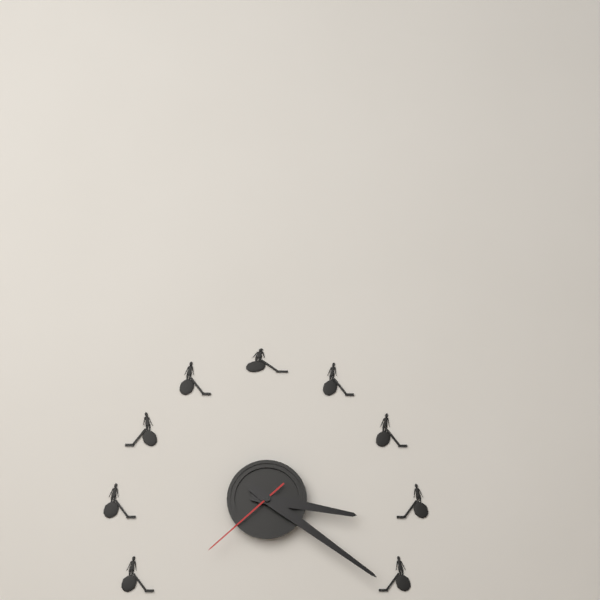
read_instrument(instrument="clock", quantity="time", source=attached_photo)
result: 3:21:38
